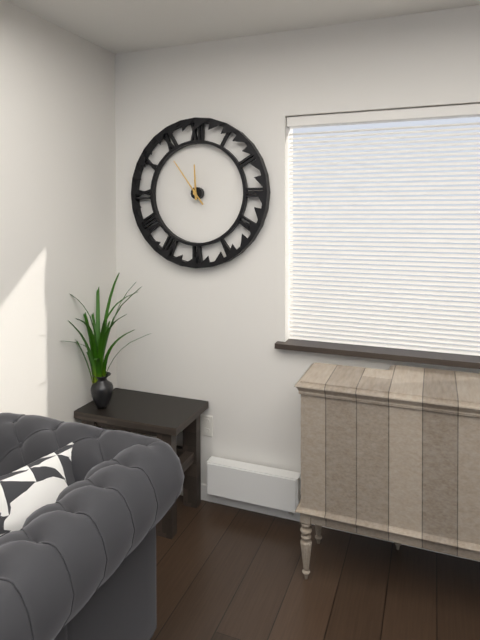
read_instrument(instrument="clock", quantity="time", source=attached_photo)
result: 11:54
